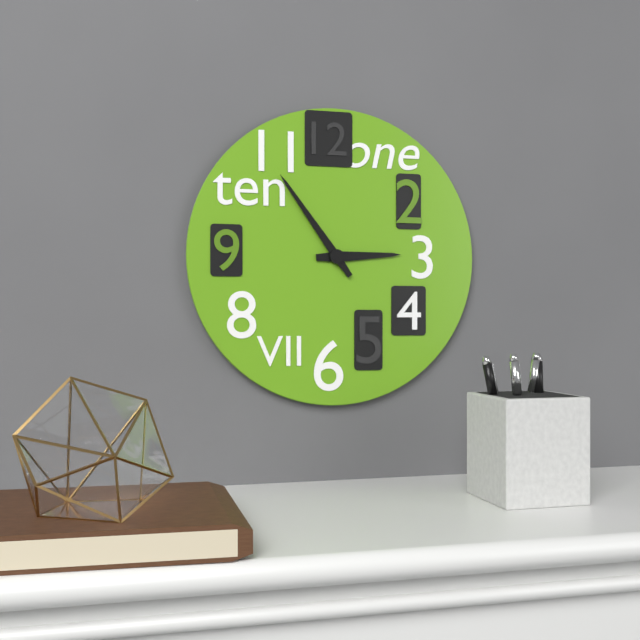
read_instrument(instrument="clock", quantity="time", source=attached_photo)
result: 2:54
